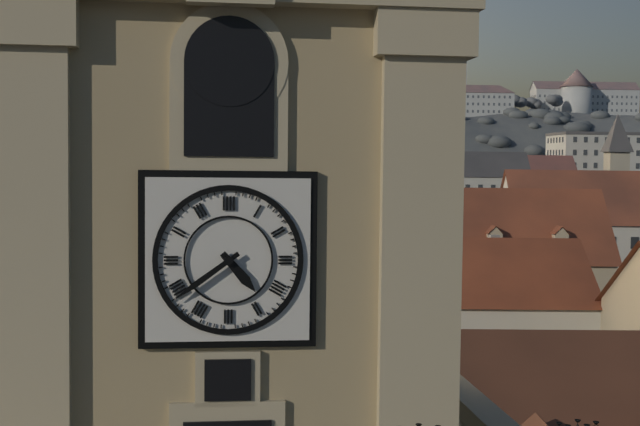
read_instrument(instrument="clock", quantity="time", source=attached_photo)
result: 4:39
